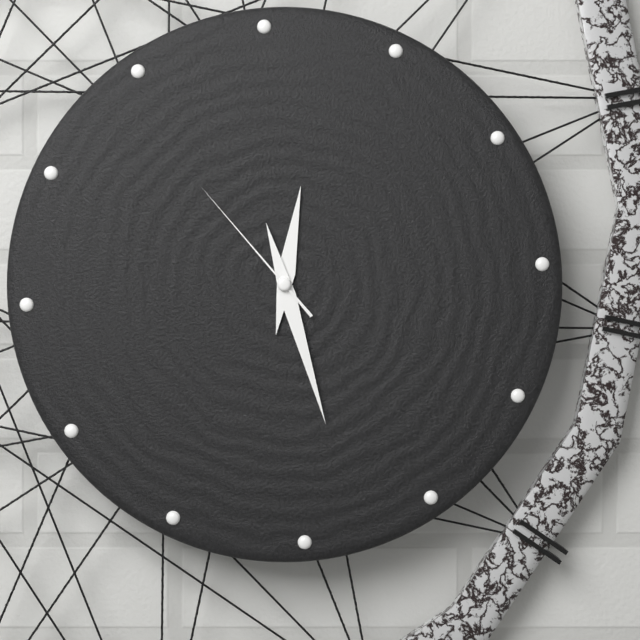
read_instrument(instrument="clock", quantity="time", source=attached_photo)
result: 12:28:54
